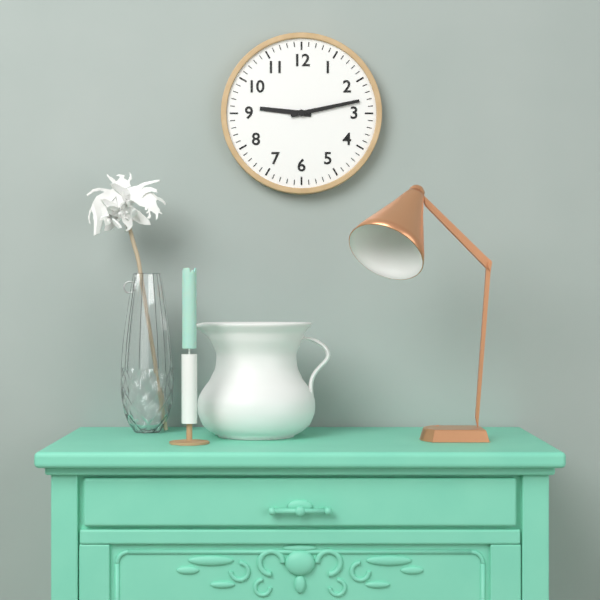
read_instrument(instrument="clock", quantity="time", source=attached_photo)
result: 9:13
